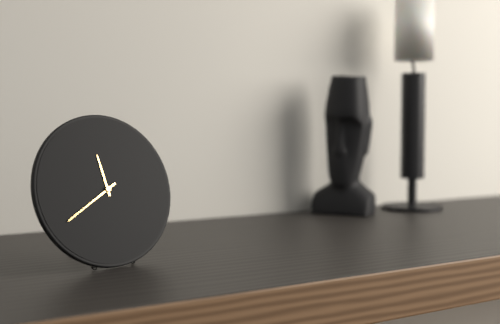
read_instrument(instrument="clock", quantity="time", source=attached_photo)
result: 11:40
